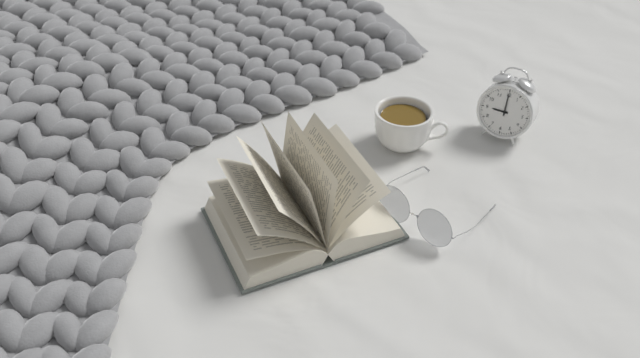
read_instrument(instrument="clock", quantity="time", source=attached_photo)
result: 9:00
